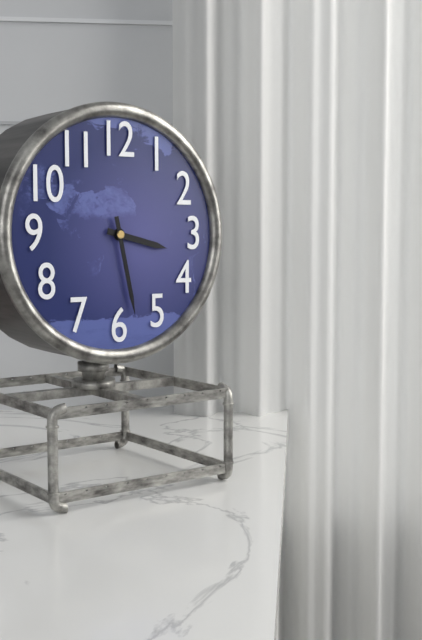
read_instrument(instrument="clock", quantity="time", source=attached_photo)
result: 3:28
